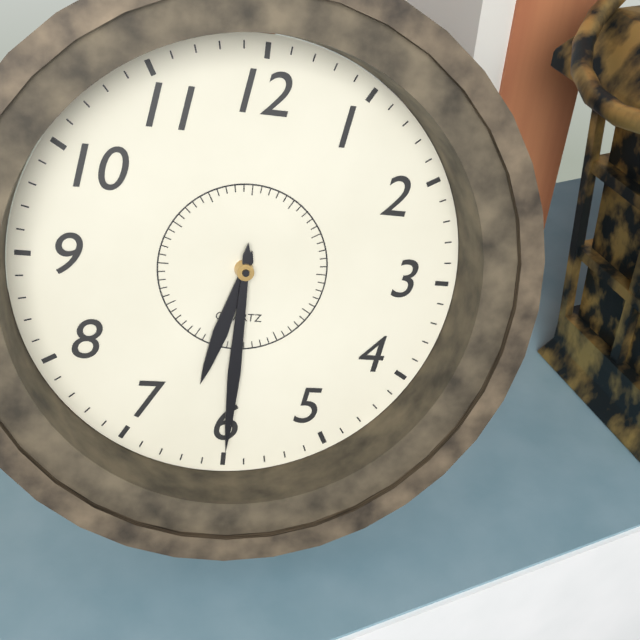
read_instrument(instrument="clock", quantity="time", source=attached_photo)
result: 6:30
